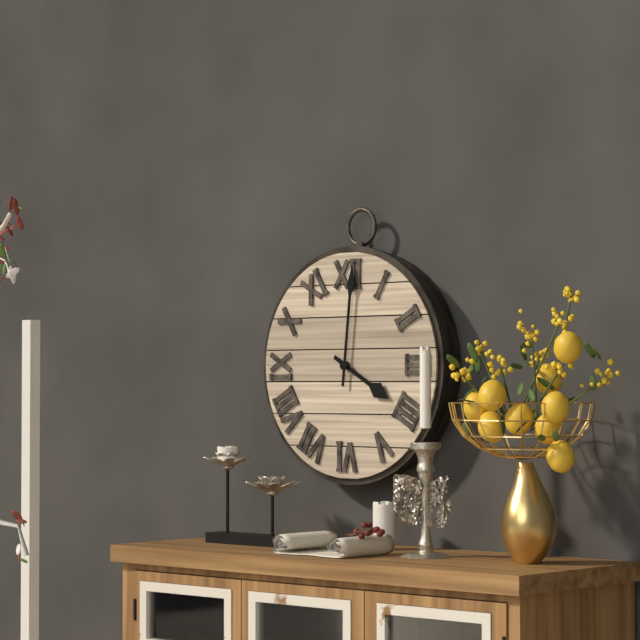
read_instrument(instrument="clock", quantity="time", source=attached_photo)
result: 4:01
